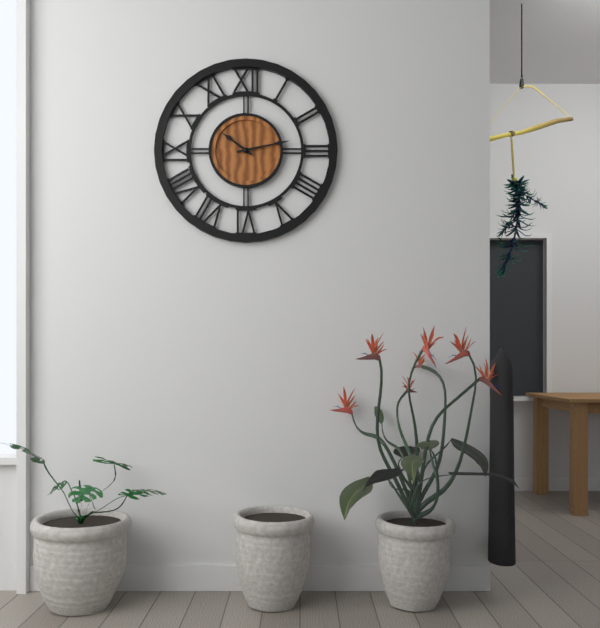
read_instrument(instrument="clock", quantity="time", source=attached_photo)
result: 10:13
